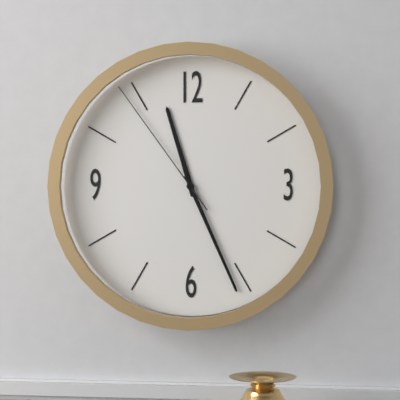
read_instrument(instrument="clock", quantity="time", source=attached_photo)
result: 11:26:54
